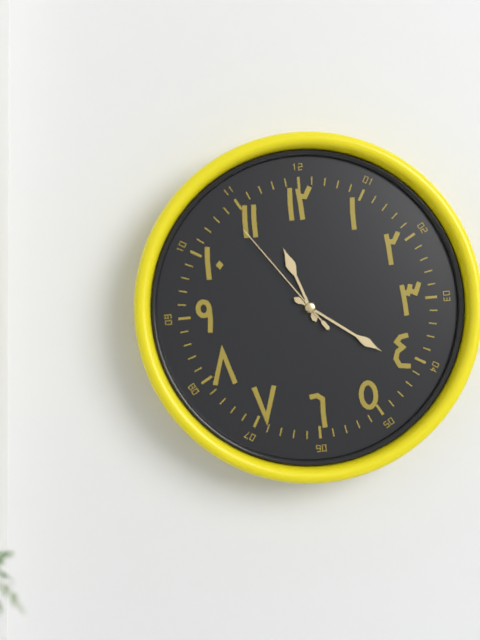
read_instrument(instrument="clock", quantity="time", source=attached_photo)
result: 11:21:54
